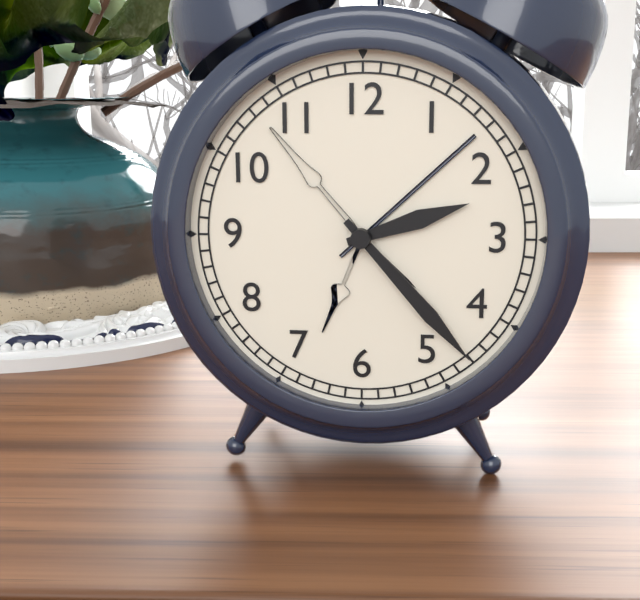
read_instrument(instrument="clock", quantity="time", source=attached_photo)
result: 2:23
